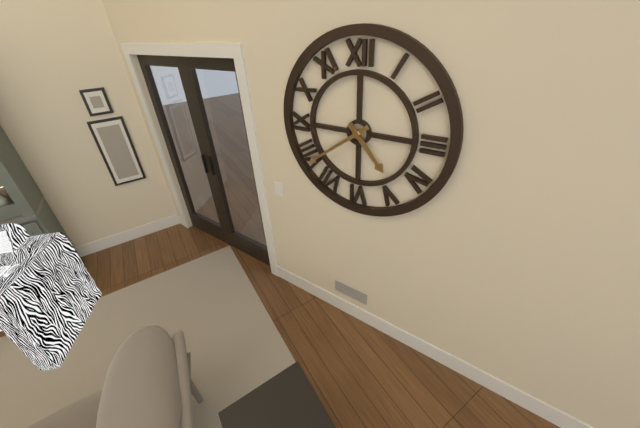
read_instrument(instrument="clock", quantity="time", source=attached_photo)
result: 4:39
